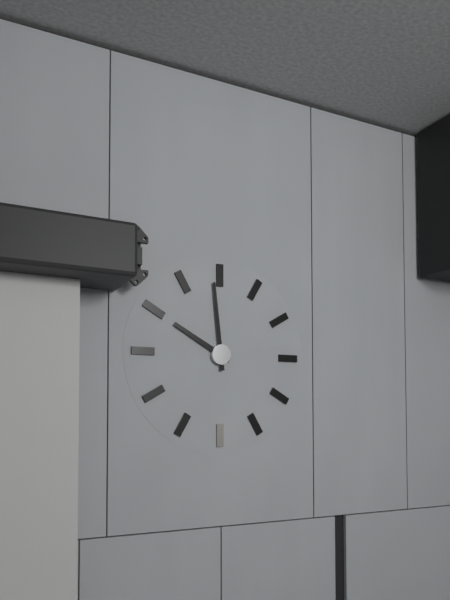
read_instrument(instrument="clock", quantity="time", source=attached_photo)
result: 9:59
